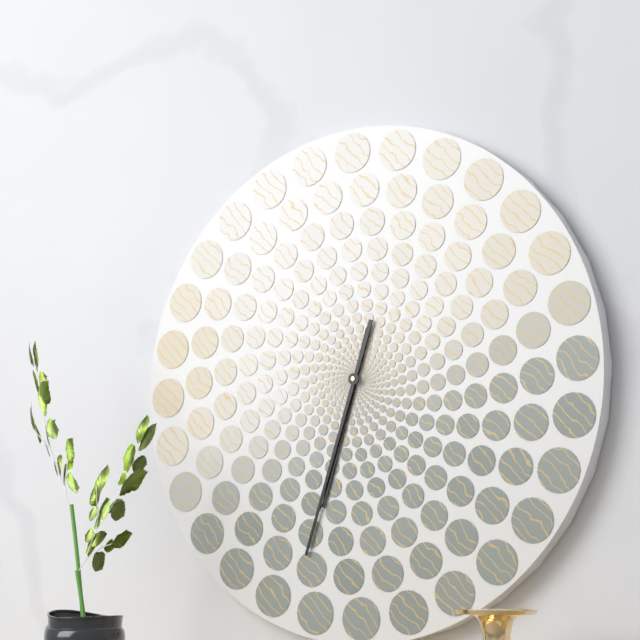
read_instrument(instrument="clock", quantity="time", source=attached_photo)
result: 6:33
